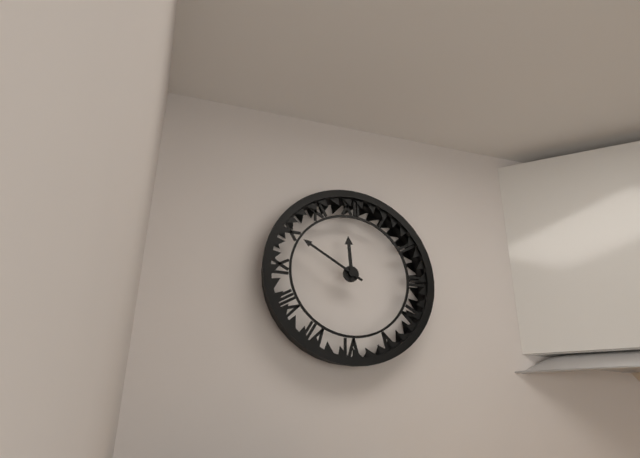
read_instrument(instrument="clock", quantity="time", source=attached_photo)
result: 11:50
